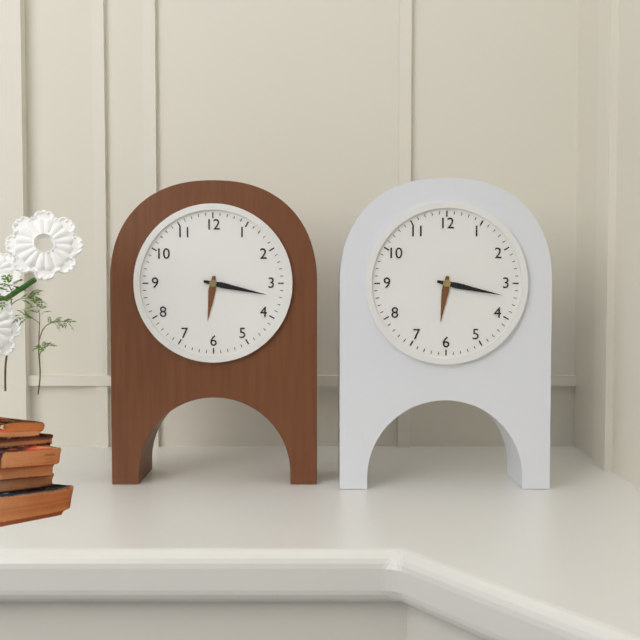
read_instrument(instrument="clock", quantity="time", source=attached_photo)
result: 6:17
